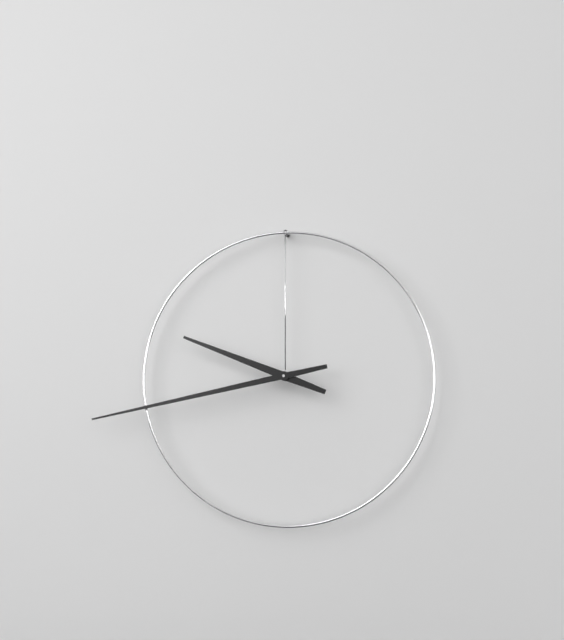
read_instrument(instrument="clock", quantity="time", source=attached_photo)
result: 9:43
